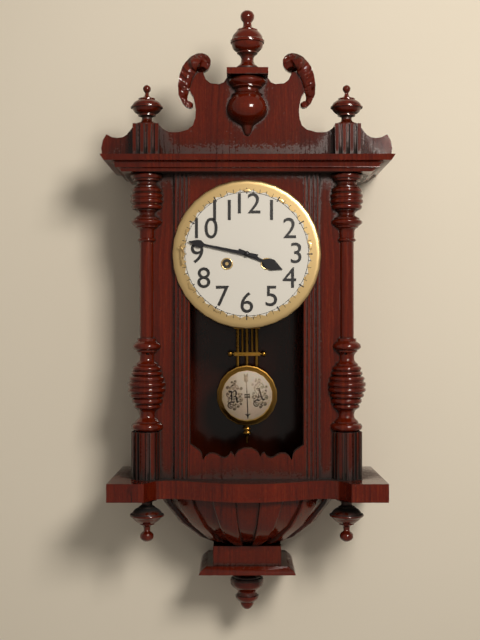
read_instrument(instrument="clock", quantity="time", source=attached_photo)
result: 3:47
